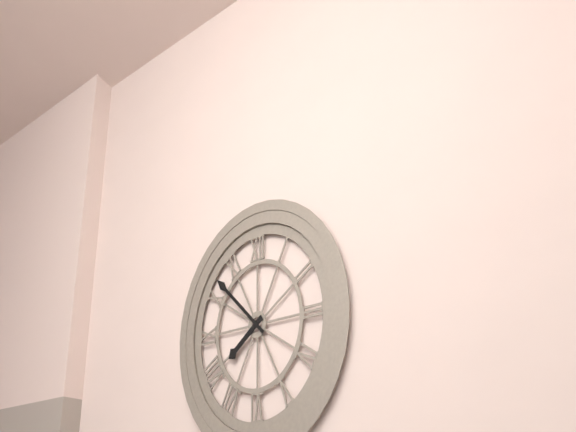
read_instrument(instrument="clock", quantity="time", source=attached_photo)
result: 7:52
